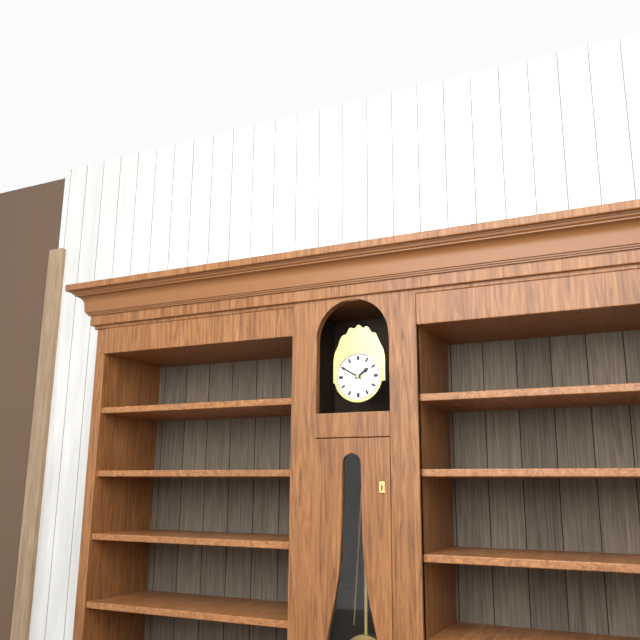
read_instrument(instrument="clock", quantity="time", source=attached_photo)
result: 1:50
